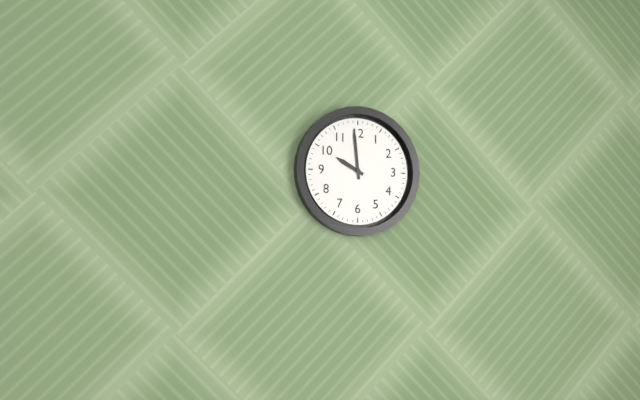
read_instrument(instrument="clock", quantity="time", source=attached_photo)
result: 9:59
